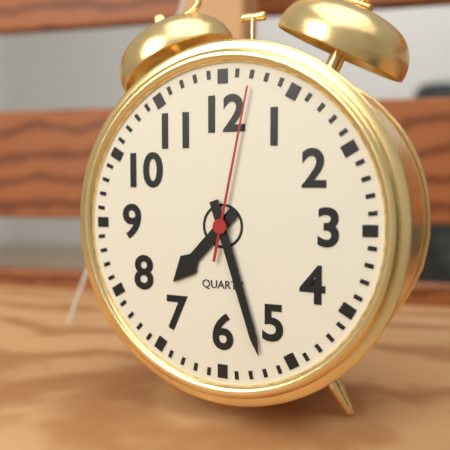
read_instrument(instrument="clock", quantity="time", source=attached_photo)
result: 7:27:02
